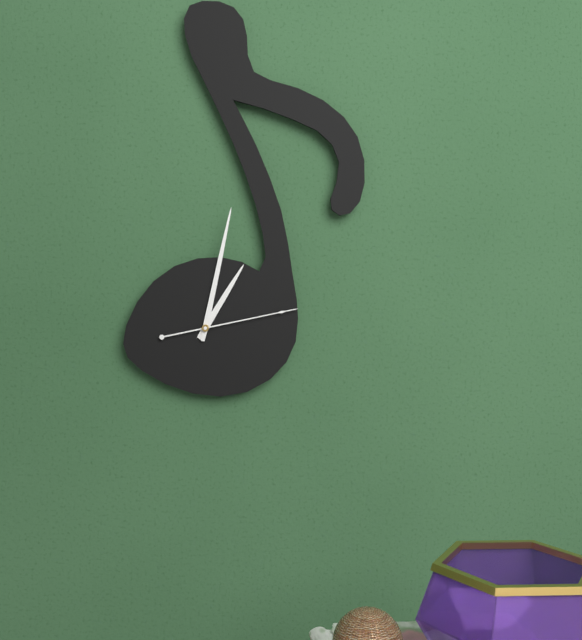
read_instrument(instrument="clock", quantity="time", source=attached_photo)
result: 1:02:13
